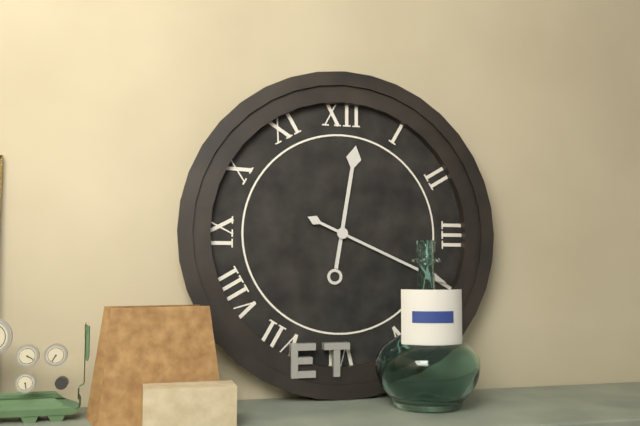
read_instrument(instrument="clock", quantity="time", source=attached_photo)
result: 12:19
